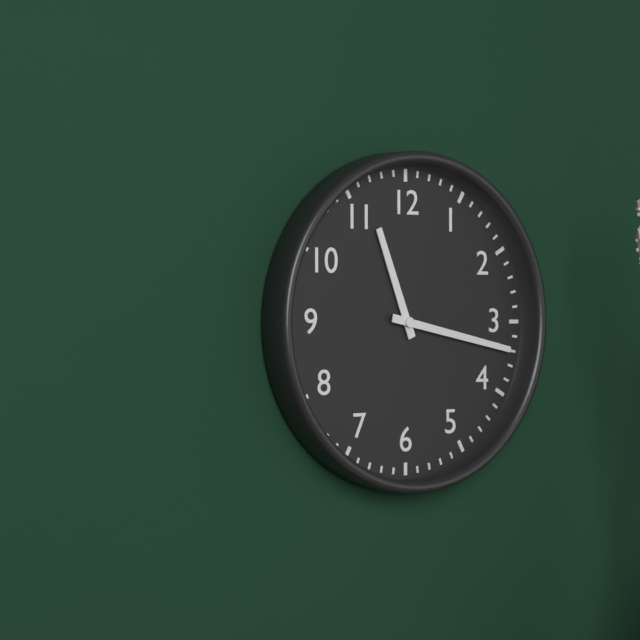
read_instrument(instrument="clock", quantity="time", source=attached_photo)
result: 11:17
